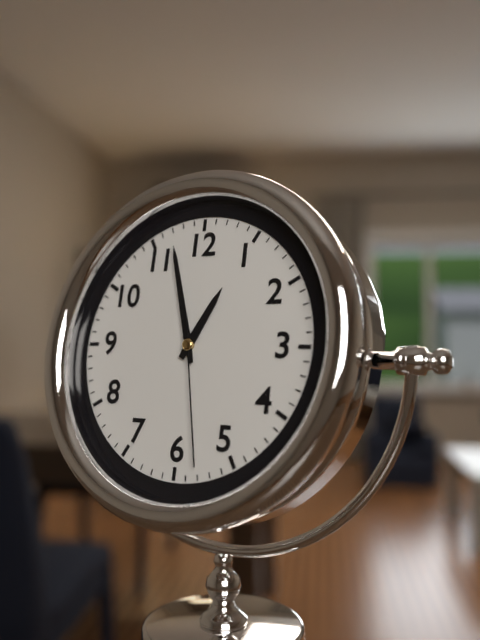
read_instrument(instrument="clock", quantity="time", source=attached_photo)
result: 12:57:28
